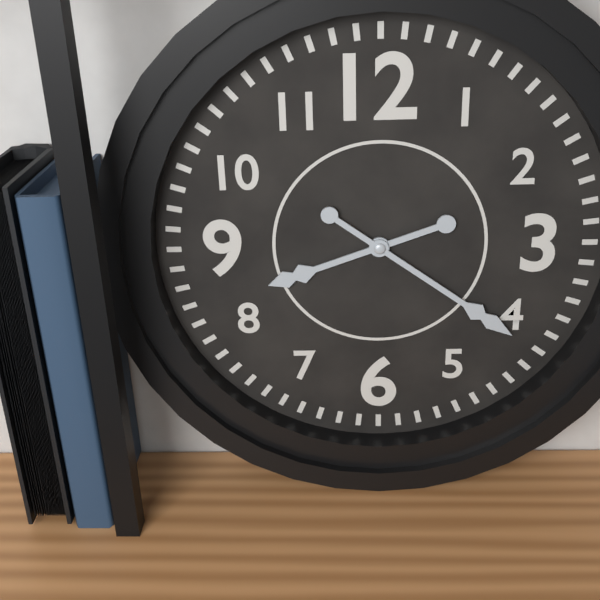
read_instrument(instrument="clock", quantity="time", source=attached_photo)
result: 8:21
